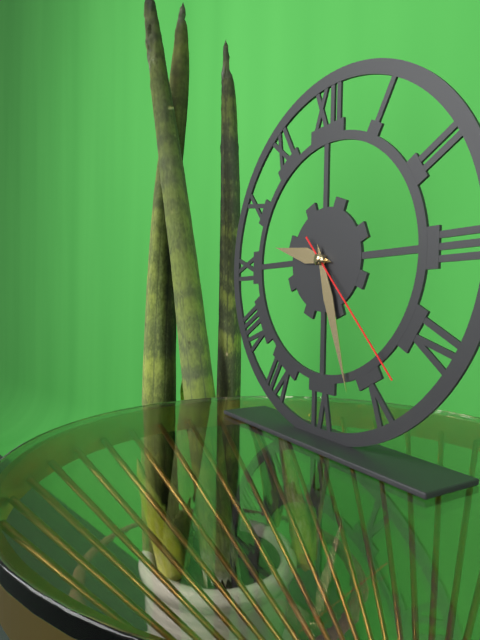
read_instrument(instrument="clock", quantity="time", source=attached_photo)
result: 9:27:23
